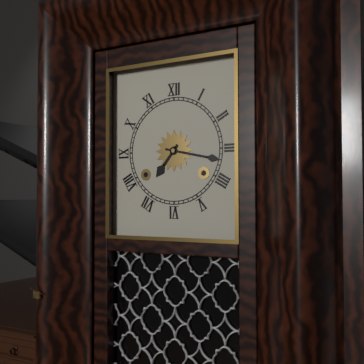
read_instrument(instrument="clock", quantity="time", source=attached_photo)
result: 7:17
